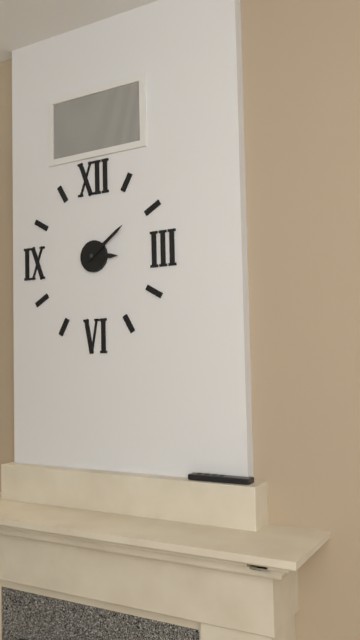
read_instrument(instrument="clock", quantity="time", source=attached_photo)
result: 3:09
